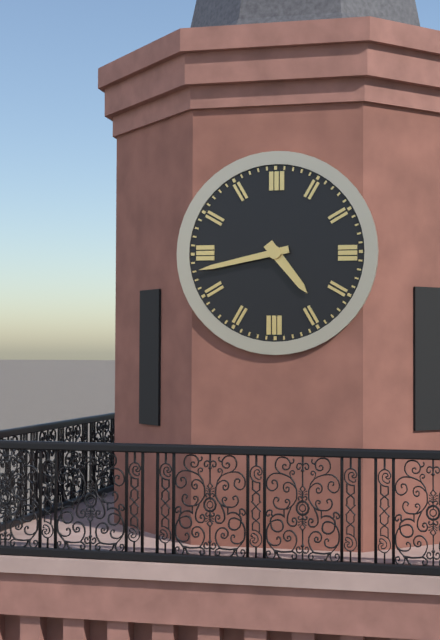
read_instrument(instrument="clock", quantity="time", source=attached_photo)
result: 4:43
